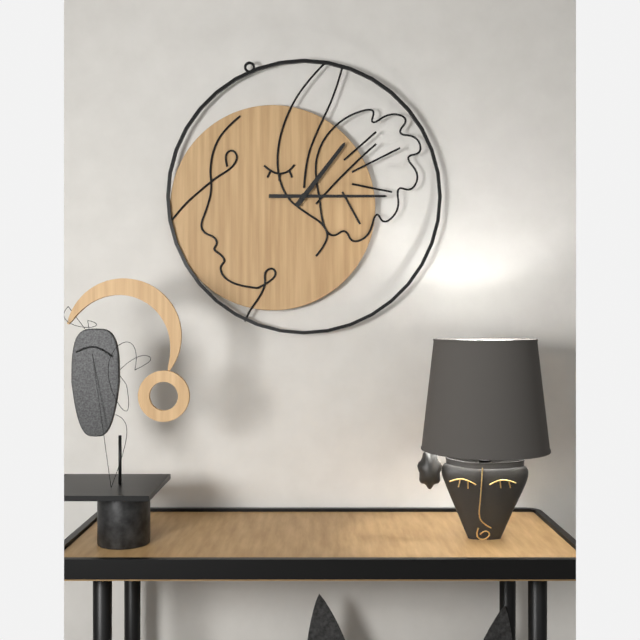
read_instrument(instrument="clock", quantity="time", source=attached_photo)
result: 1:15
